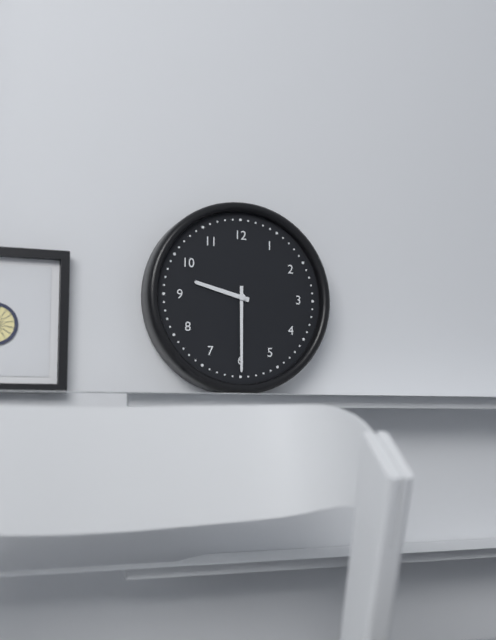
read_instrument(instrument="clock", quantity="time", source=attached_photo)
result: 9:30
